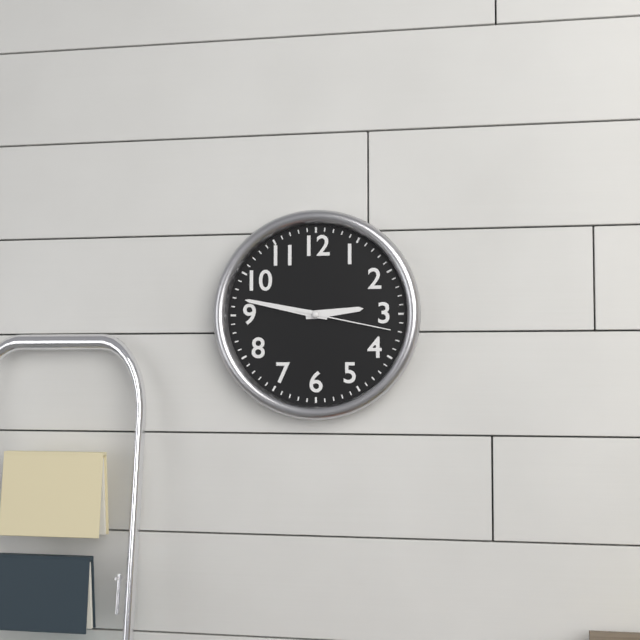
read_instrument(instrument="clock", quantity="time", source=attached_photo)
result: 2:47:17
